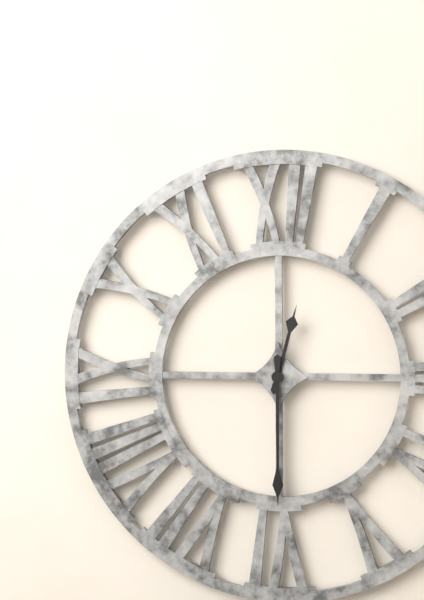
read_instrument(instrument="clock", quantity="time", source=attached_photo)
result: 12:30
